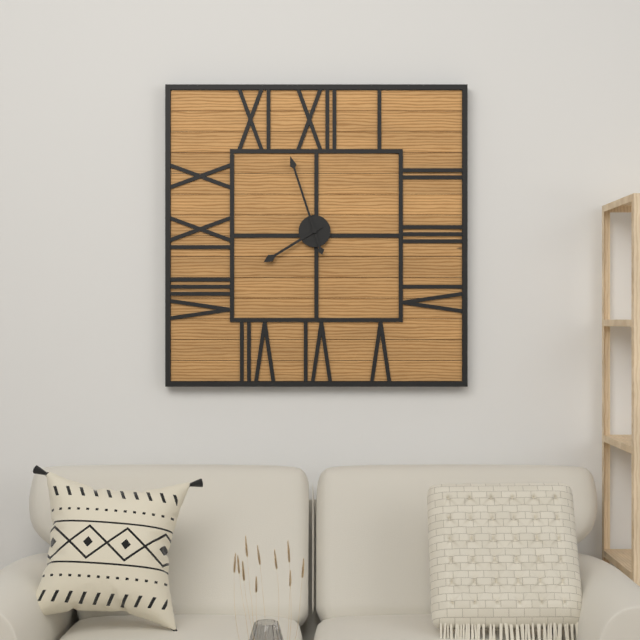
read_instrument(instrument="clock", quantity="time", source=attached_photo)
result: 7:57
